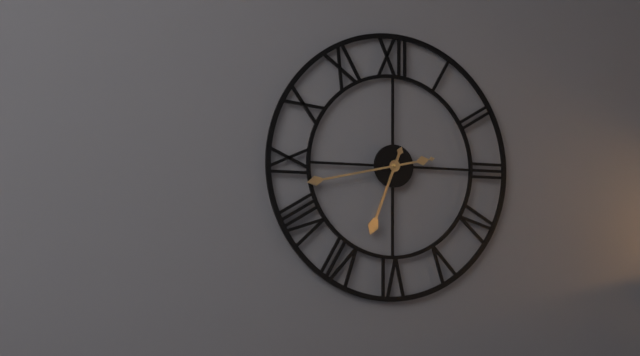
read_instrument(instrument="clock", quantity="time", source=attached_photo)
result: 6:43
